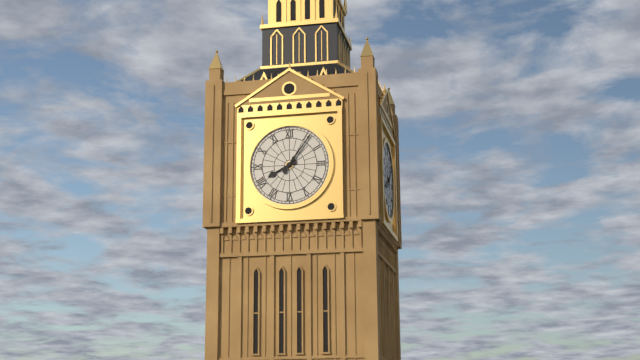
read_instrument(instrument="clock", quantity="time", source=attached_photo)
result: 8:06
